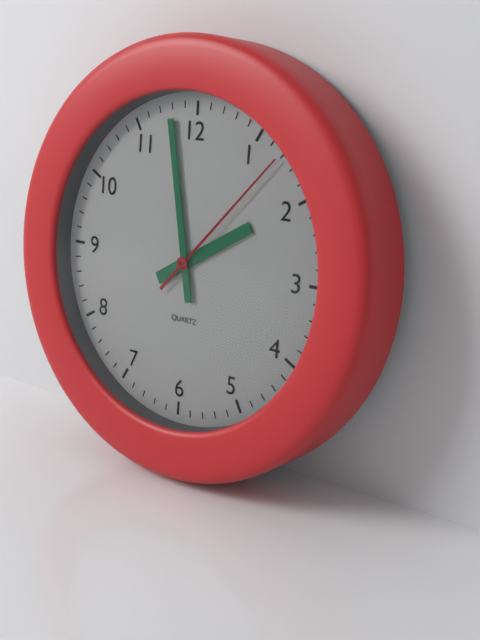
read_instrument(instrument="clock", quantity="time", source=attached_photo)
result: 1:58:07
